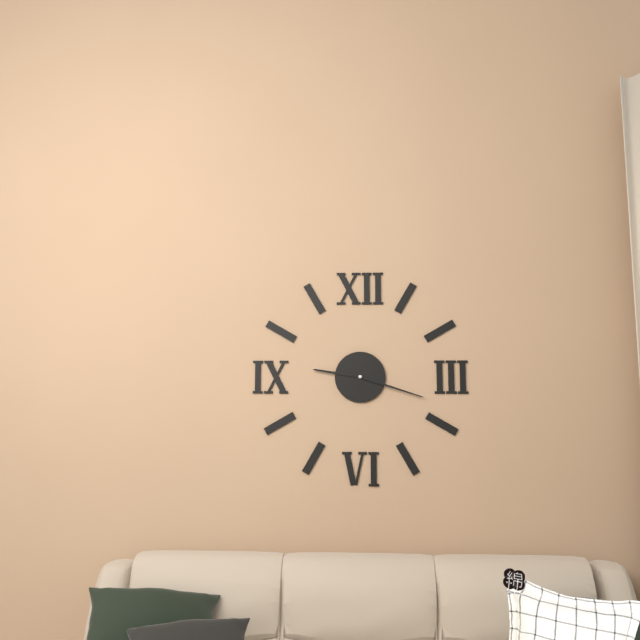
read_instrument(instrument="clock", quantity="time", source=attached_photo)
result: 9:18
